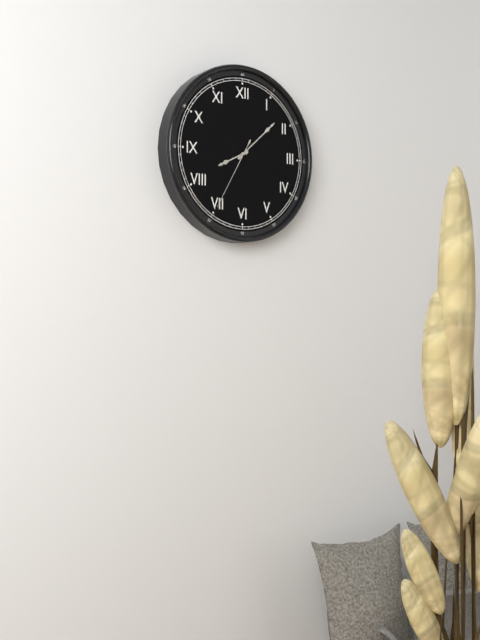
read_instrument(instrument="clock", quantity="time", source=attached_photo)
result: 8:08:35
